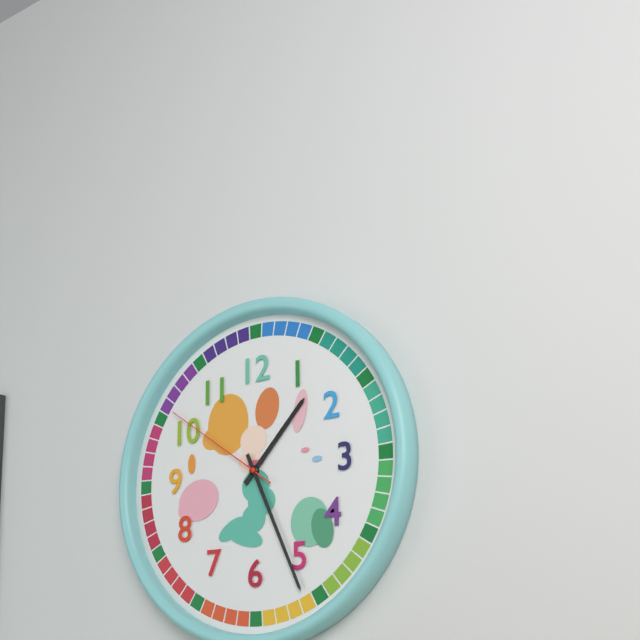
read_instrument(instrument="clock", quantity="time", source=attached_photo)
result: 1:26:51
